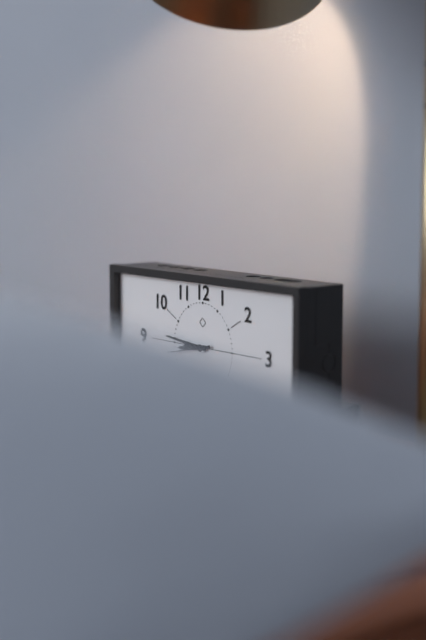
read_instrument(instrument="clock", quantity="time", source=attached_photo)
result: 8:46
